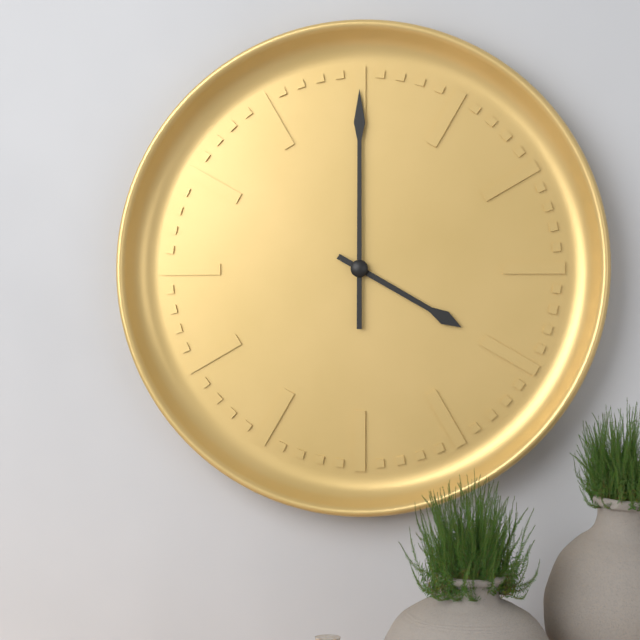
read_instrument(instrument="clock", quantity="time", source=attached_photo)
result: 4:00
